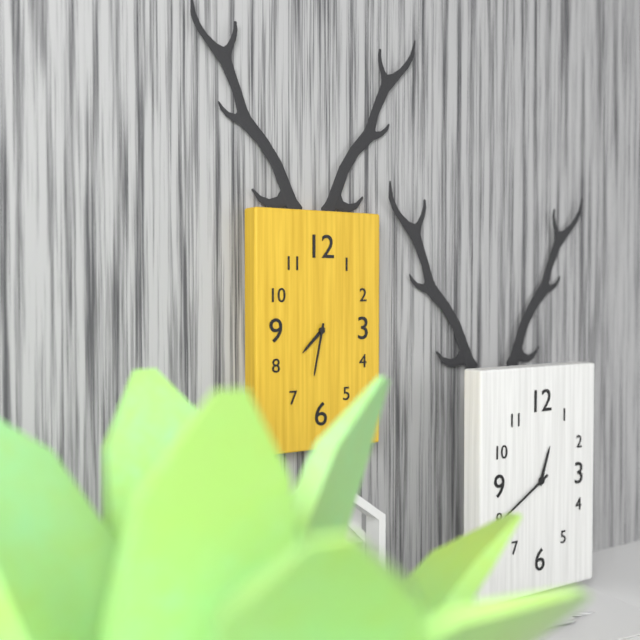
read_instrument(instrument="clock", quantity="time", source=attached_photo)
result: 7:32
